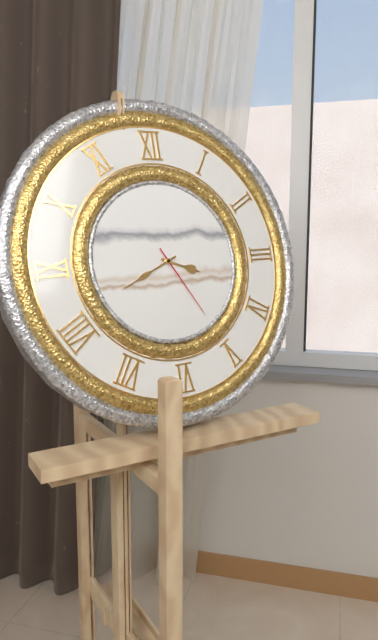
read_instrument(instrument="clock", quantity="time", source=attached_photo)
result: 3:41:25
